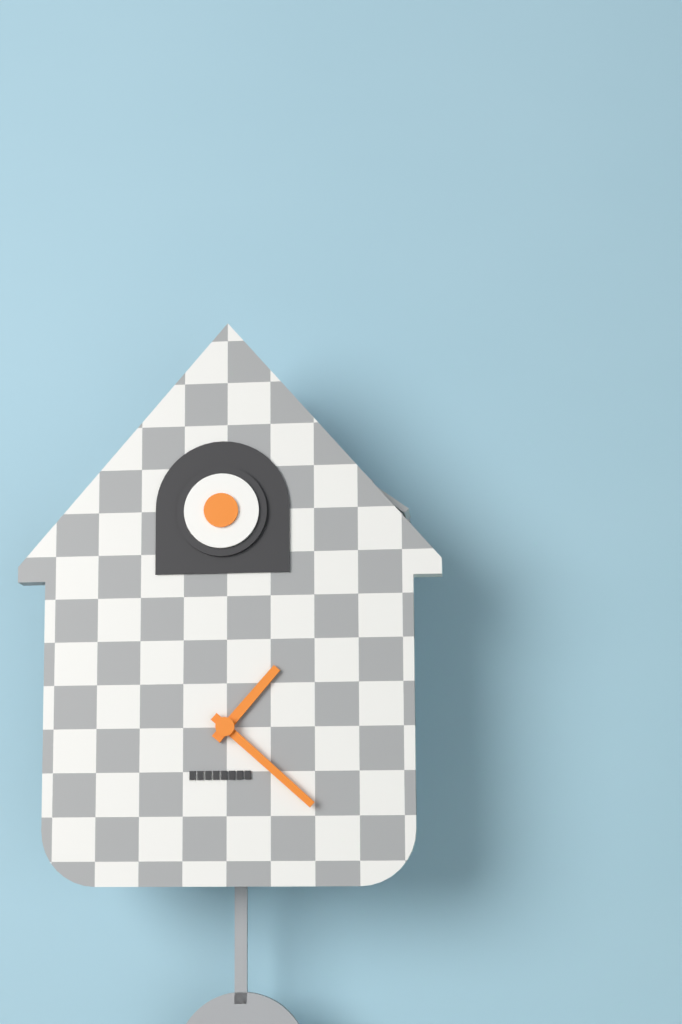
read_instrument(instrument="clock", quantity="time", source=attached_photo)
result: 1:22
